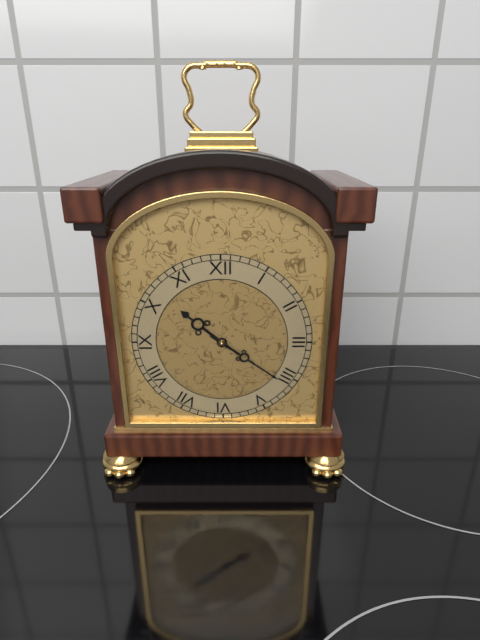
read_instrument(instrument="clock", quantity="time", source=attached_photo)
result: 10:21
